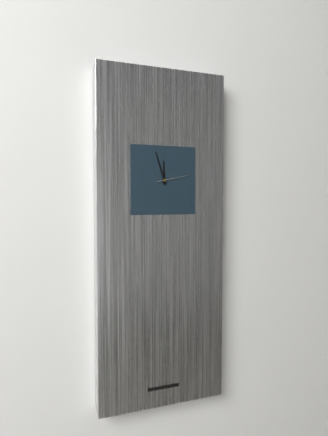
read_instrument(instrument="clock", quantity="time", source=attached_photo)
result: 11:57
